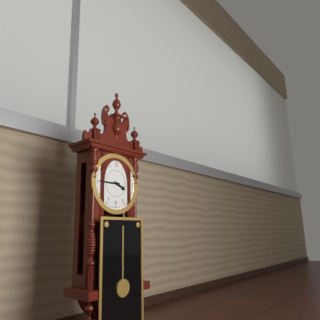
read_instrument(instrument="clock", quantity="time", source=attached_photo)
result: 3:45
